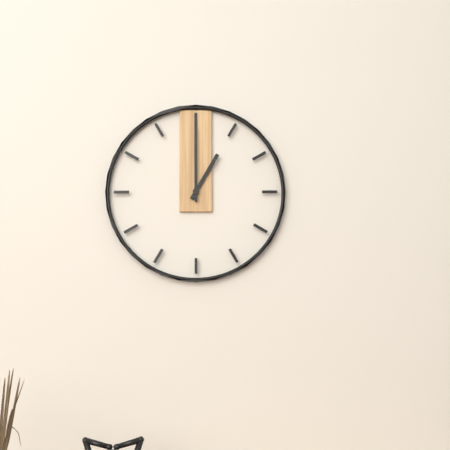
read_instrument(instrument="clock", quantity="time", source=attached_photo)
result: 1:00
